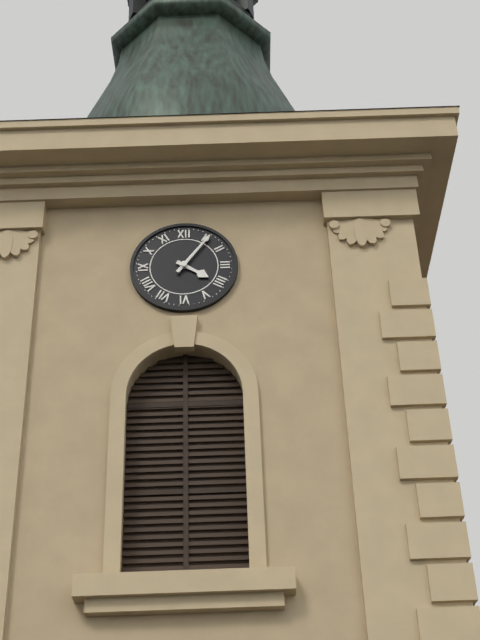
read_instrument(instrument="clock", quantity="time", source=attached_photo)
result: 4:06
